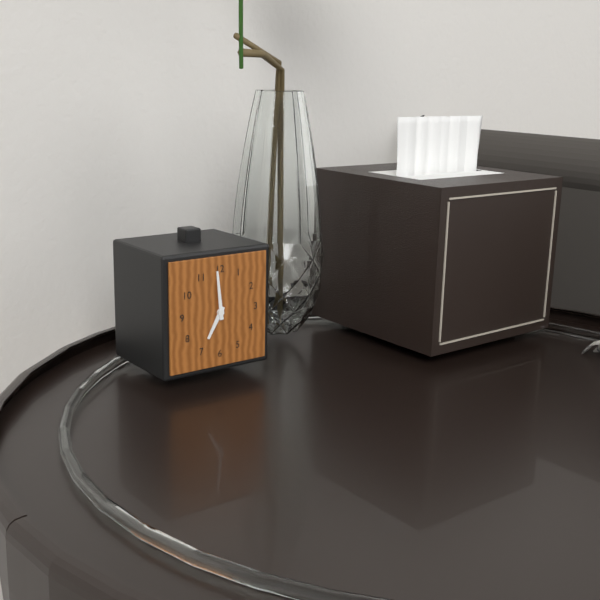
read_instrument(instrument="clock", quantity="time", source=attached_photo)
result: 6:59
